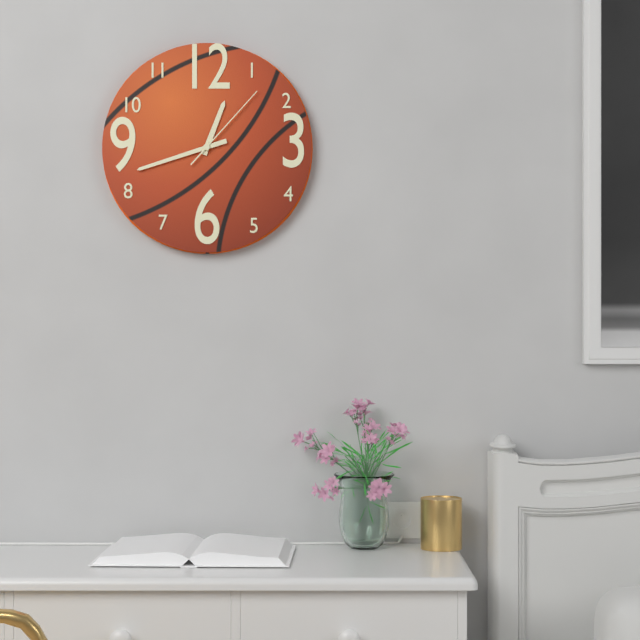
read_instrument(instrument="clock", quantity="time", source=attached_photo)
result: 12:42:07
